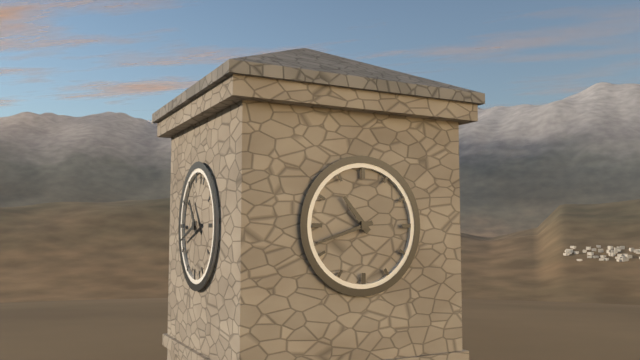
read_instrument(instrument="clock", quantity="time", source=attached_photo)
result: 10:42
